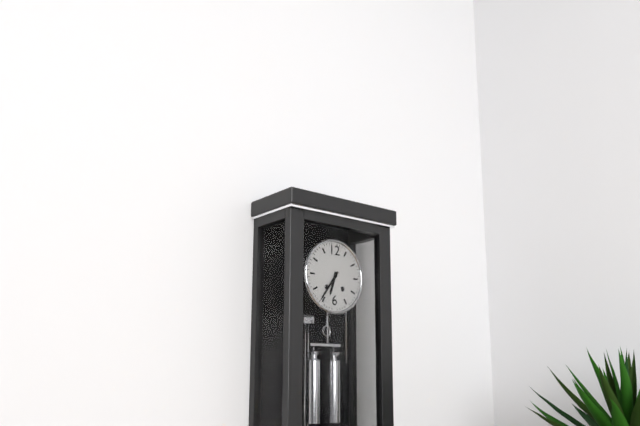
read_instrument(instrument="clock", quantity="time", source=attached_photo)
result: 6:36
